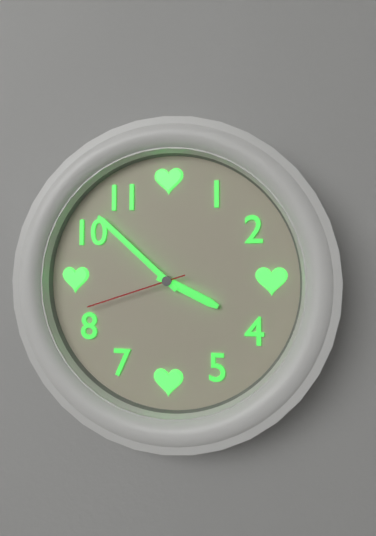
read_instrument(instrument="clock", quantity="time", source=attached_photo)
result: 3:52:42
